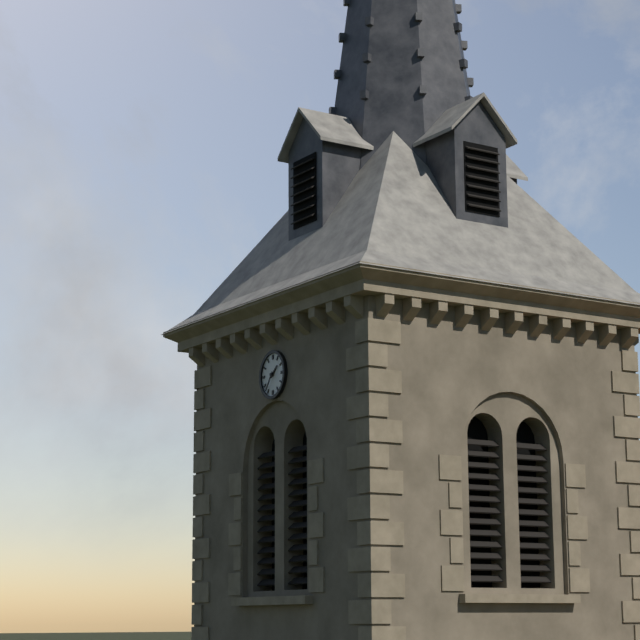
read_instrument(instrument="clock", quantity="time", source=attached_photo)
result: 1:36
